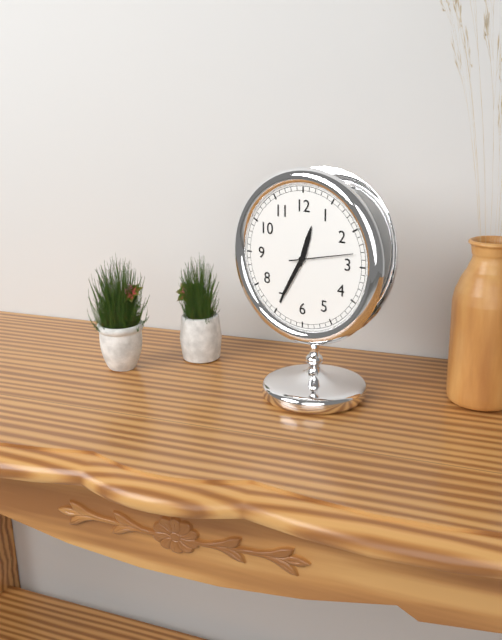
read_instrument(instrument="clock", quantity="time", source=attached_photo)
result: 12:35:13
